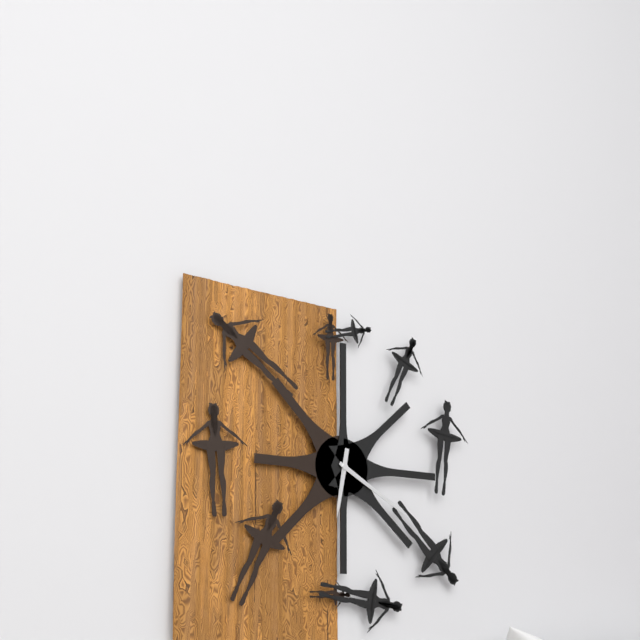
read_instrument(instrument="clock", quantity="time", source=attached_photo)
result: 6:20
